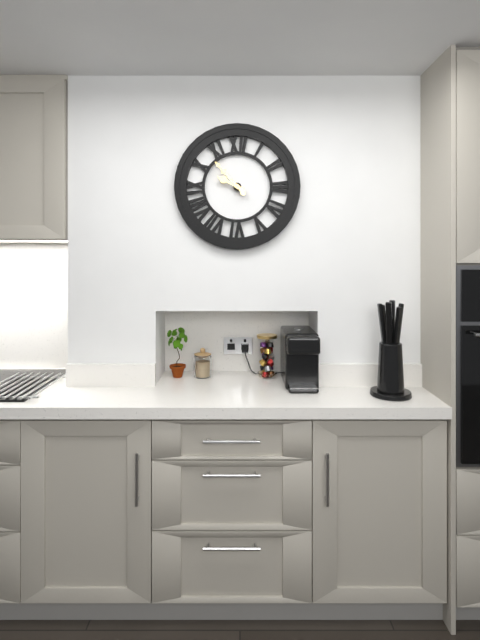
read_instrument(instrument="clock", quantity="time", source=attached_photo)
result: 9:53
